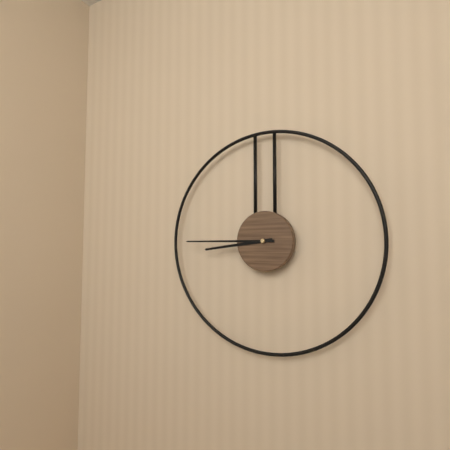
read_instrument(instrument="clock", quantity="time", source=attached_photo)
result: 8:45
